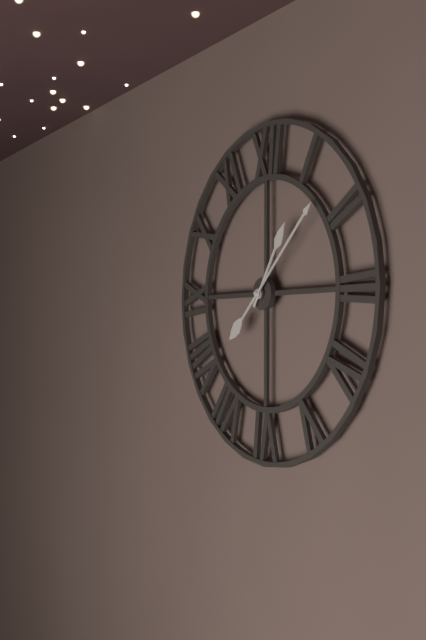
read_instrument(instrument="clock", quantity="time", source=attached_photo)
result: 1:08
